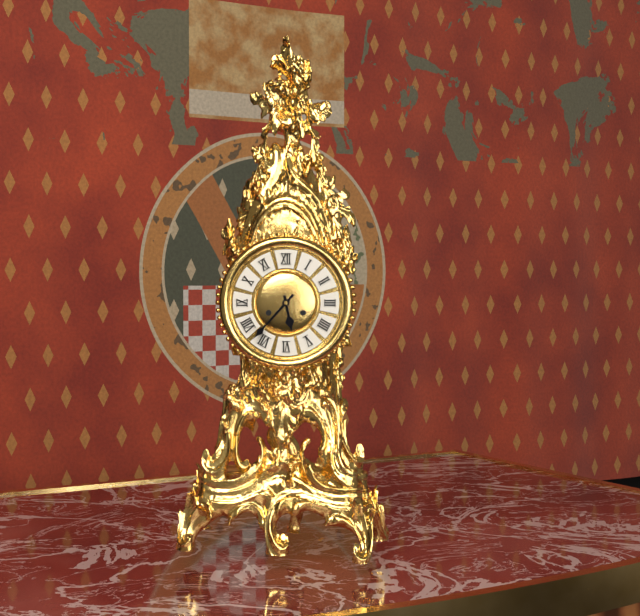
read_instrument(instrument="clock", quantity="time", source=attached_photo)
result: 5:37
